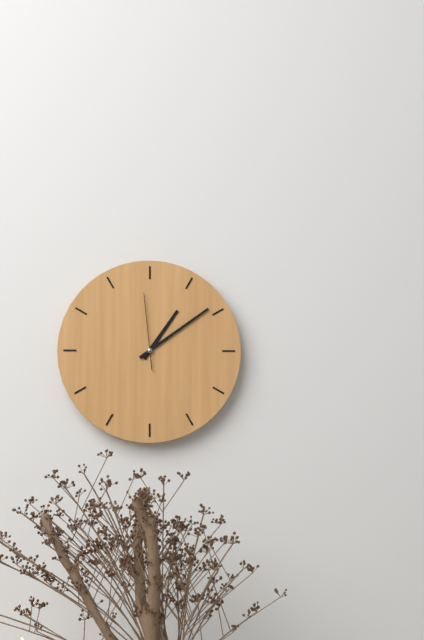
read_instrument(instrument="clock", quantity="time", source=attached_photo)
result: 1:09:59
